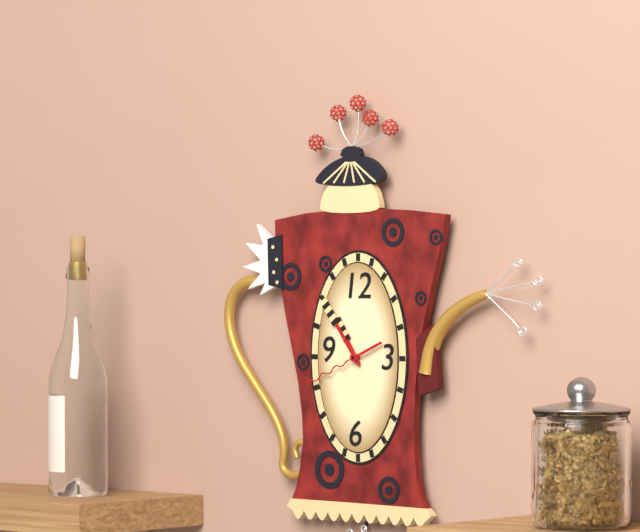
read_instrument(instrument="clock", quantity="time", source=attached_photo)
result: 10:54:41
